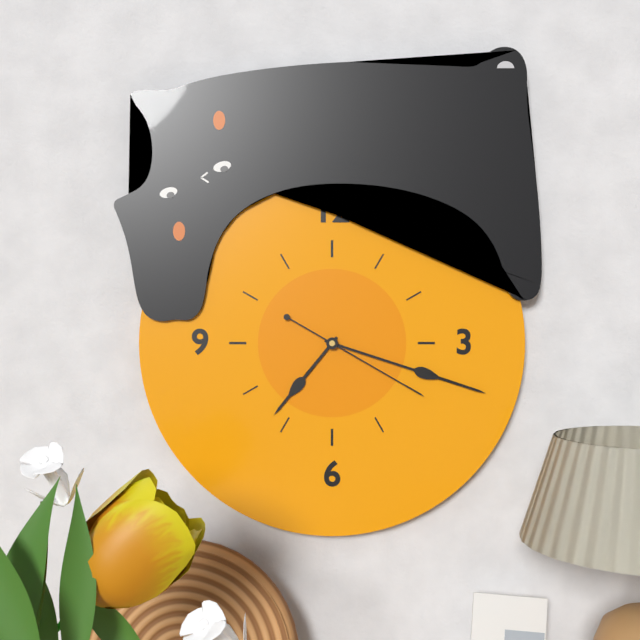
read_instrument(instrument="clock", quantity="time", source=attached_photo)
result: 7:18:20
